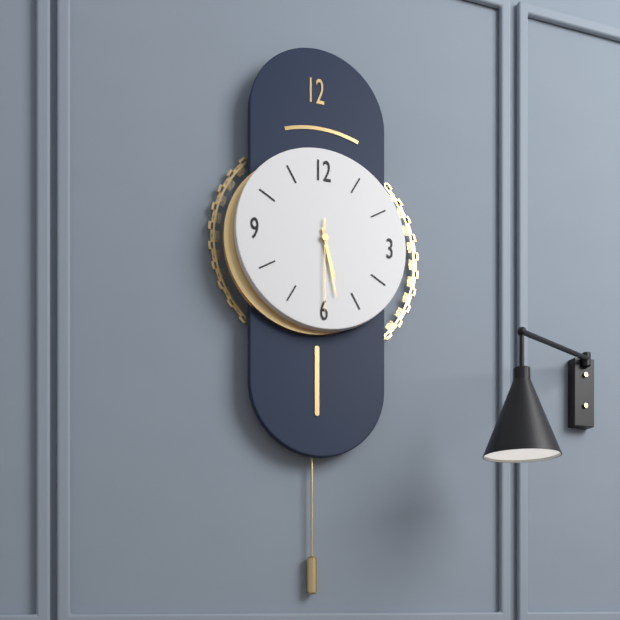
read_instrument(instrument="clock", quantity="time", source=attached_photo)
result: 5:28:30
